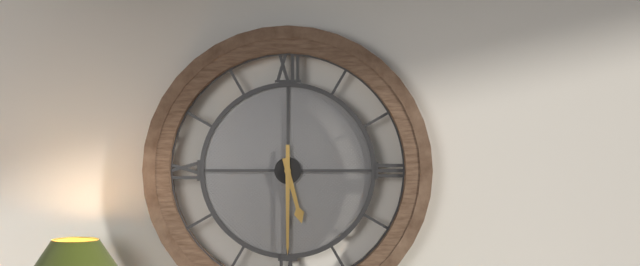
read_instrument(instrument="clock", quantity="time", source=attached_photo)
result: 5:30
